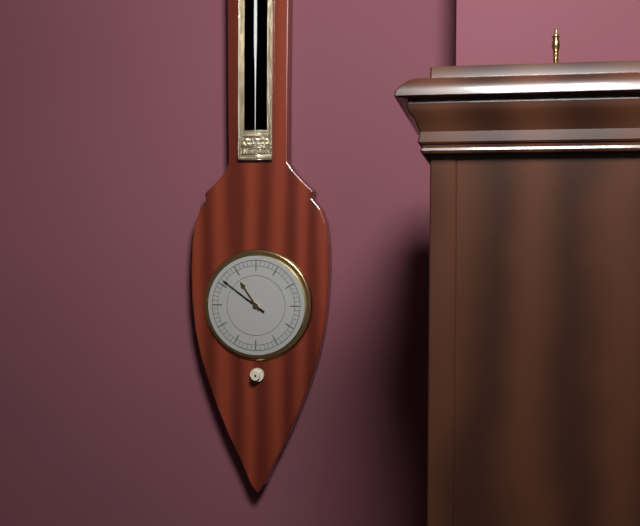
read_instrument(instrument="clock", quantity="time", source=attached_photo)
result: 10:51
